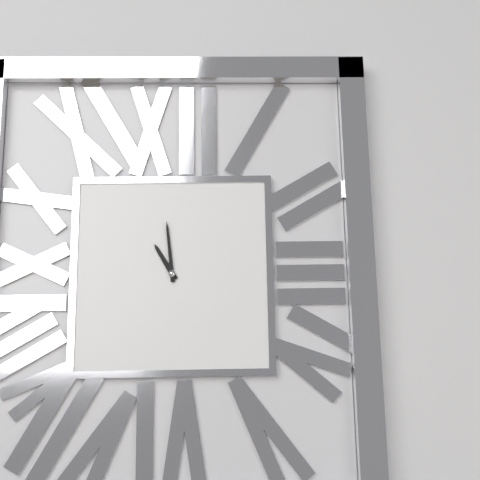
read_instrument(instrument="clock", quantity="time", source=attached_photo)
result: 10:59
